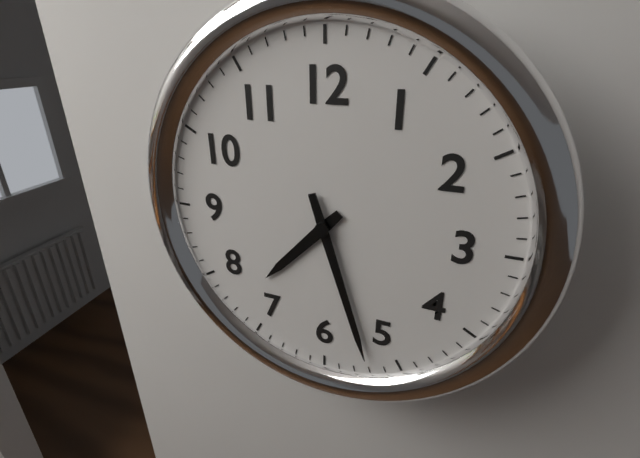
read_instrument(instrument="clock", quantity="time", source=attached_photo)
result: 7:27
